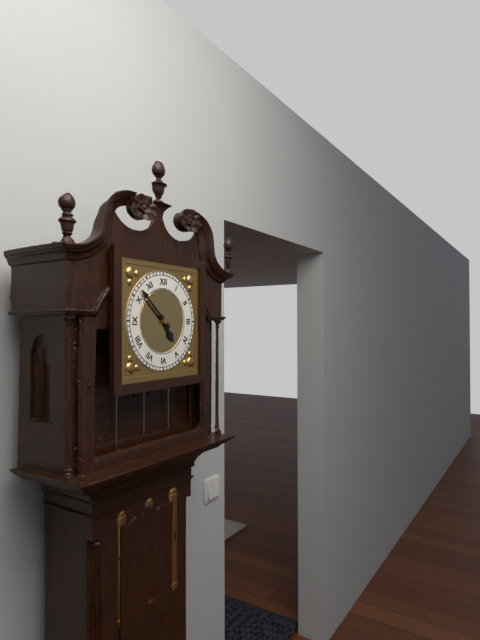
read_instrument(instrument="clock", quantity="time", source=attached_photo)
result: 4:52
